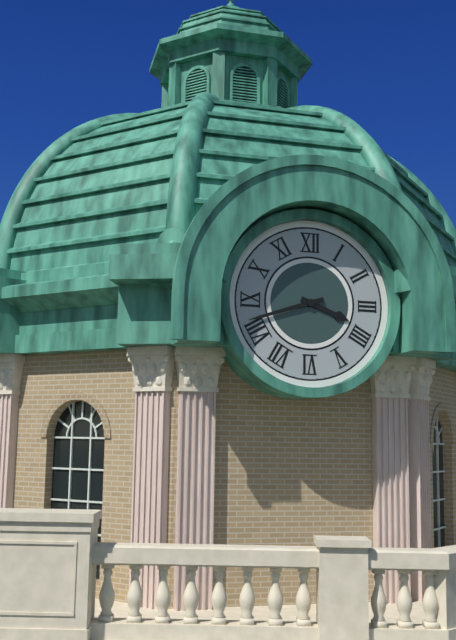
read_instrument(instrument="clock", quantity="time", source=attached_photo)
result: 3:42
